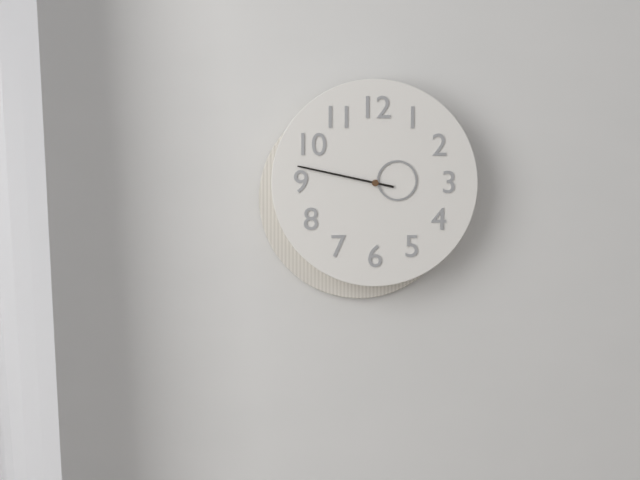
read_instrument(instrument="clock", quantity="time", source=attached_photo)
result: 2:47
